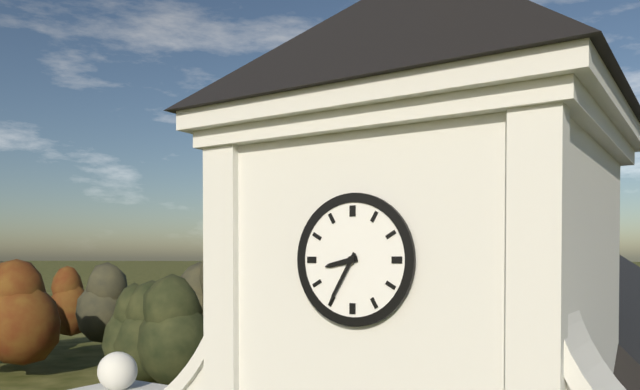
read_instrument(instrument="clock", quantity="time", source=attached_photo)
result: 8:35
